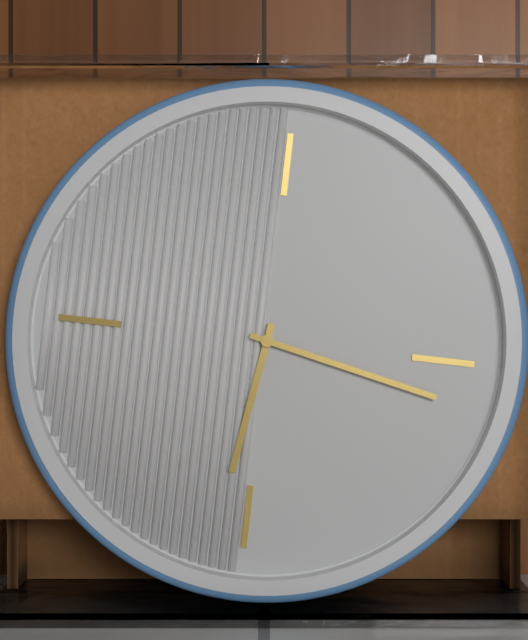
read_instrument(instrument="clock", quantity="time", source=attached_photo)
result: 6:17
